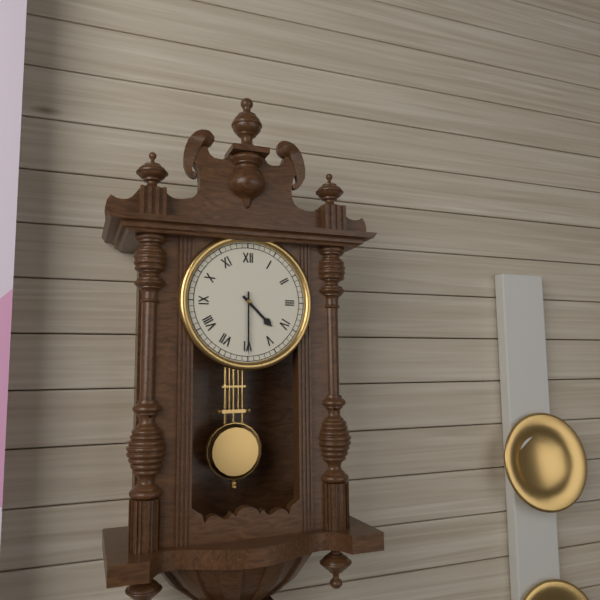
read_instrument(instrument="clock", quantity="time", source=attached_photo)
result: 4:30
